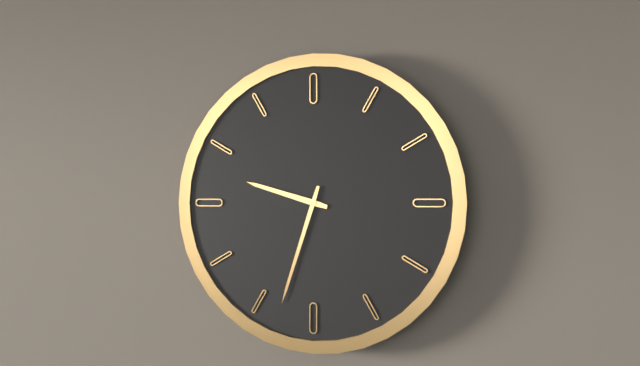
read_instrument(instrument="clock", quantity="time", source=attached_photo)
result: 9:33
